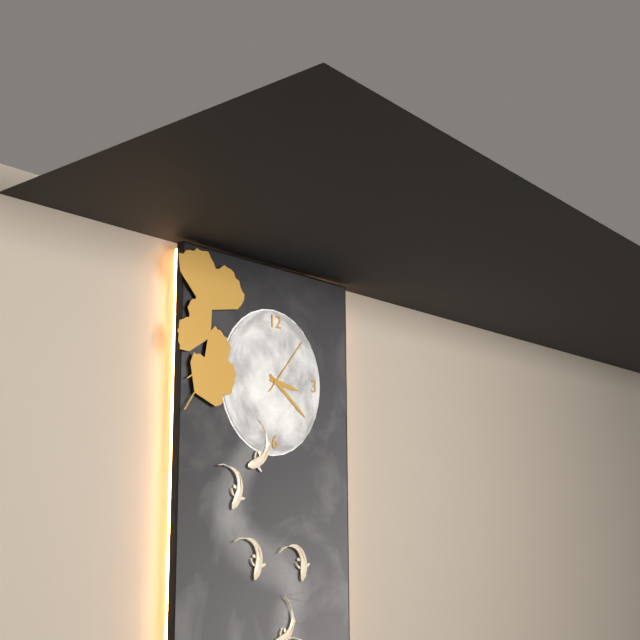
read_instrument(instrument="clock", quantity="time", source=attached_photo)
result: 3:21:07
